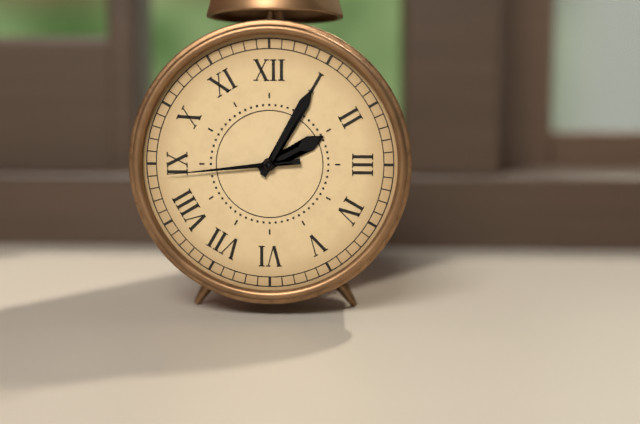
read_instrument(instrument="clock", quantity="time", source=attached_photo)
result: 2:05:44
